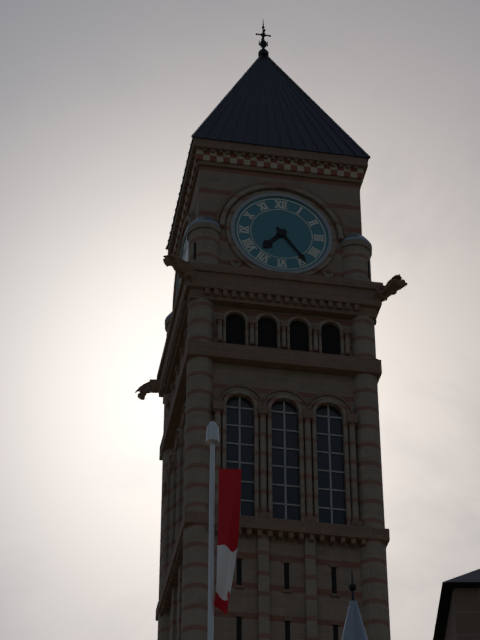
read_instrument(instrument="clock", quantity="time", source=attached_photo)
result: 7:24
